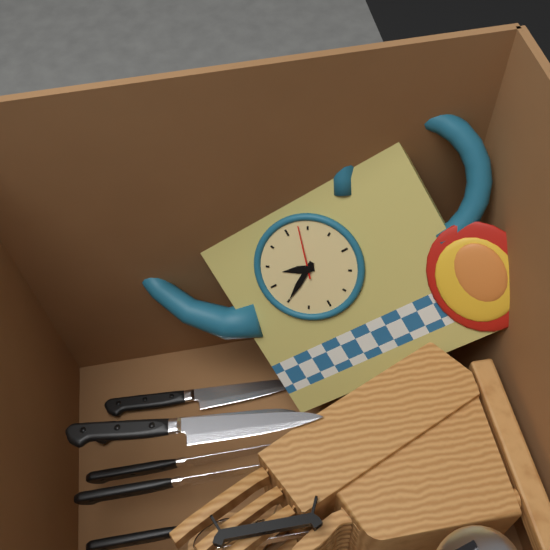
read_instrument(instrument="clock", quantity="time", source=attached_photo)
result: 9:40:03
